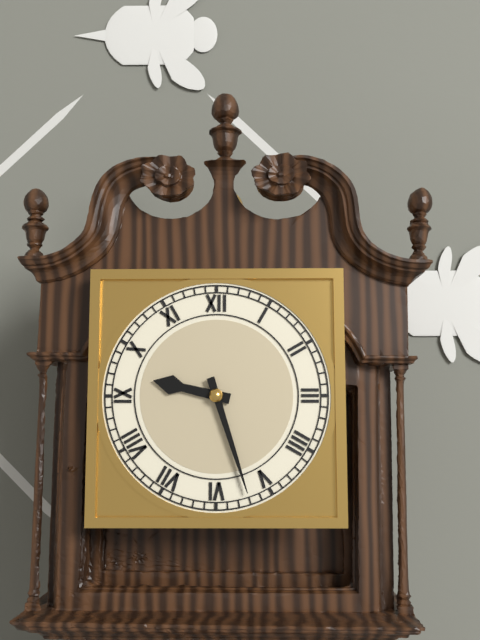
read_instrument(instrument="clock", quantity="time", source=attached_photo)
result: 9:27
